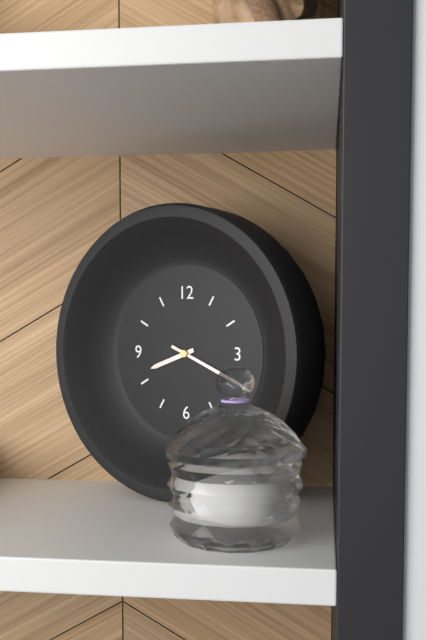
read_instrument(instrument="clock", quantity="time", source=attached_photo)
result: 8:19
